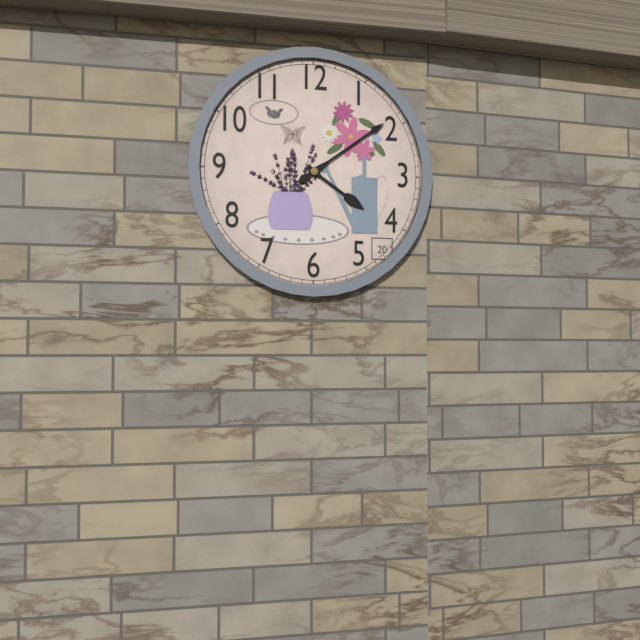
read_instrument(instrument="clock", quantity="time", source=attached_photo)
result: 4:09
